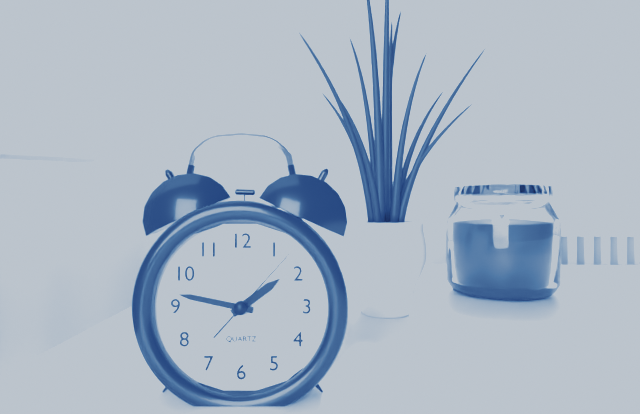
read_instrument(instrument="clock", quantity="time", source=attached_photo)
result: 1:47:07
